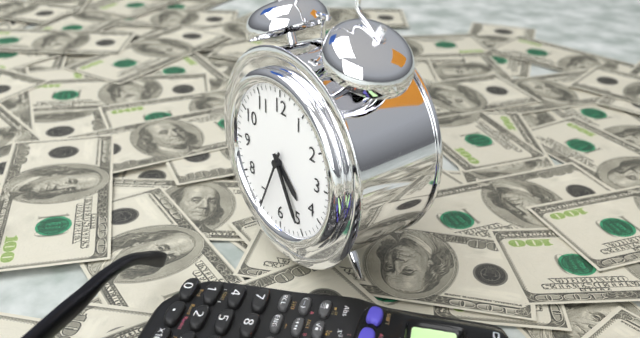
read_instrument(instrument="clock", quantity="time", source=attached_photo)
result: 4:25:34
